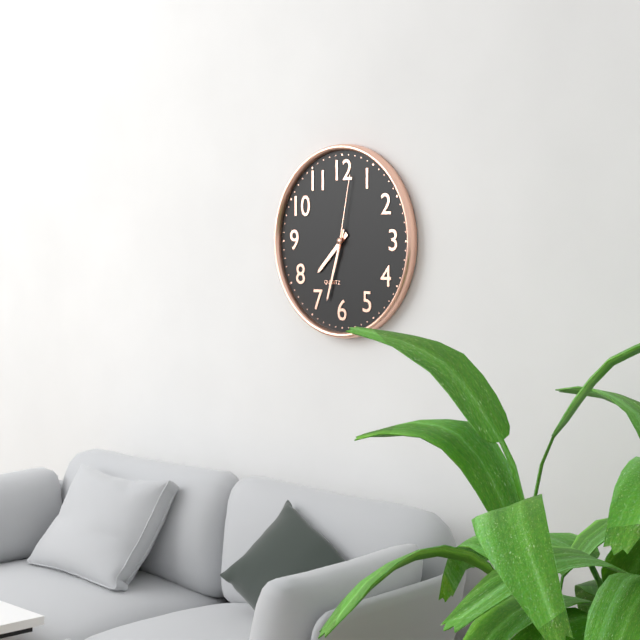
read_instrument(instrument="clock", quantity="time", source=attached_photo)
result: 7:33:02
